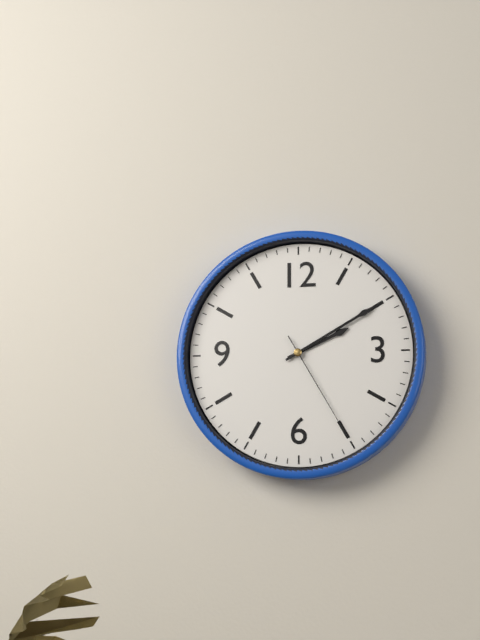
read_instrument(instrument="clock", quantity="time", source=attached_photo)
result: 2:10:25
